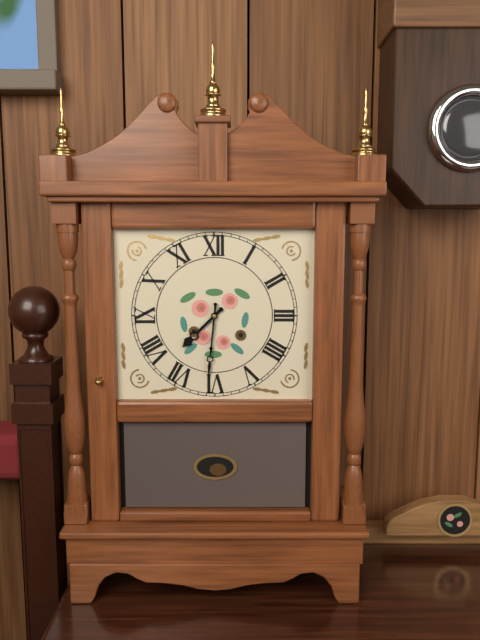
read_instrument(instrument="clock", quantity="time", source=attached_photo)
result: 7:31
